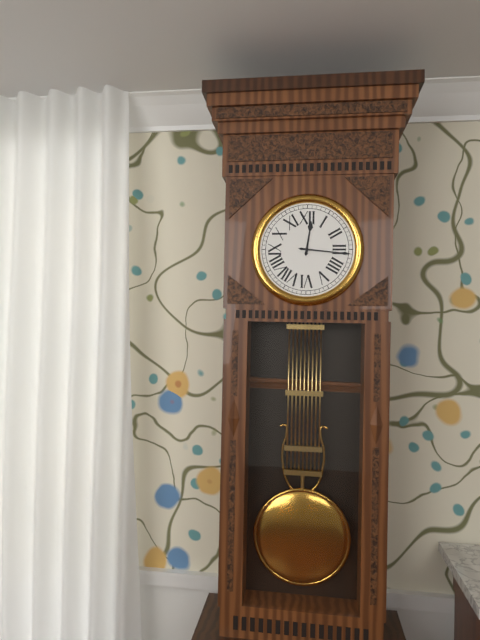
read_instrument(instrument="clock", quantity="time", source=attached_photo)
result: 12:16
